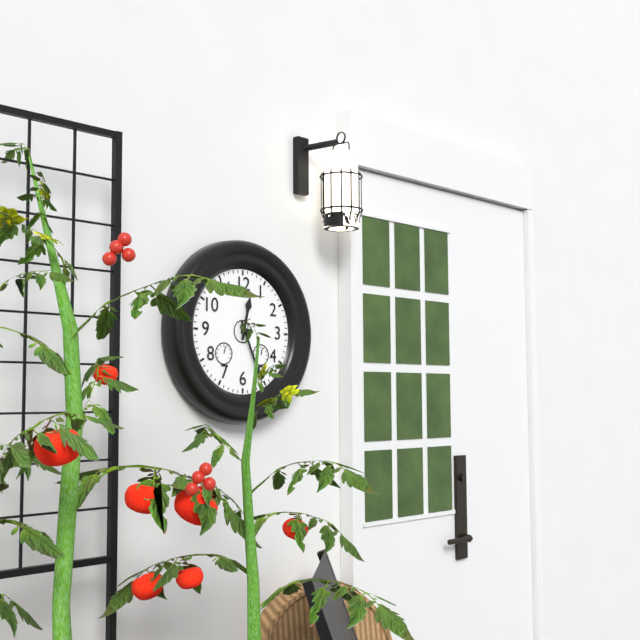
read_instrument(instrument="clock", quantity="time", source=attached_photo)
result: 12:26
